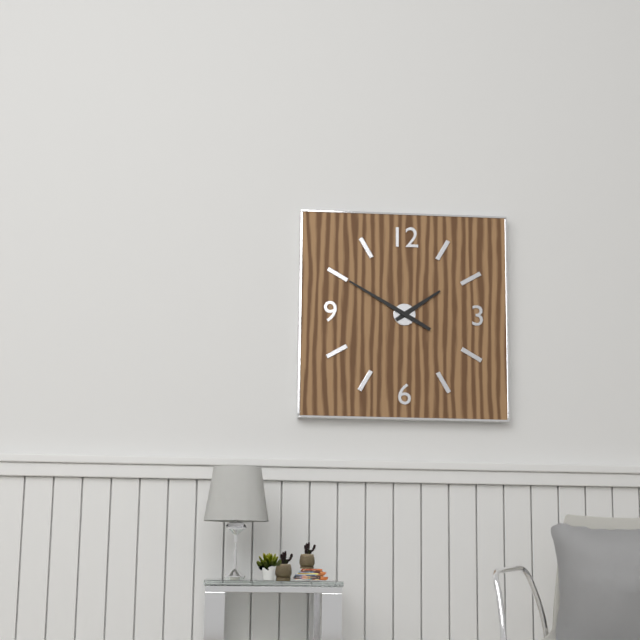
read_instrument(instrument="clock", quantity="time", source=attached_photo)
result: 1:50
